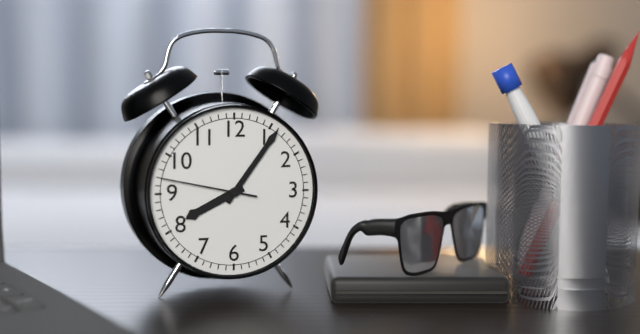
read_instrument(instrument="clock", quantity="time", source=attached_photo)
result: 8:06:47
